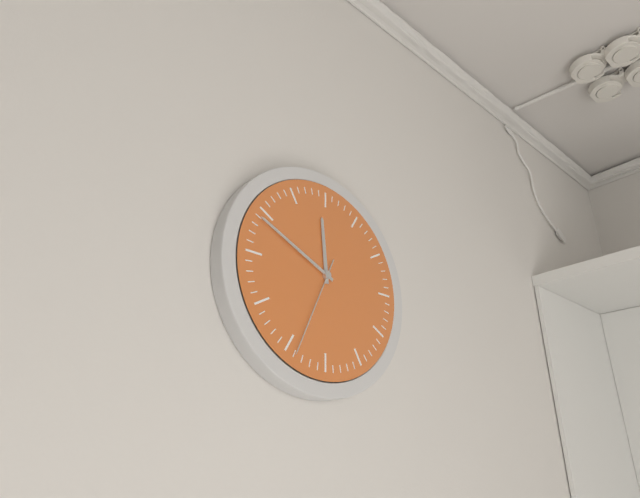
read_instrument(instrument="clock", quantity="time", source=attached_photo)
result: 11:49:34
